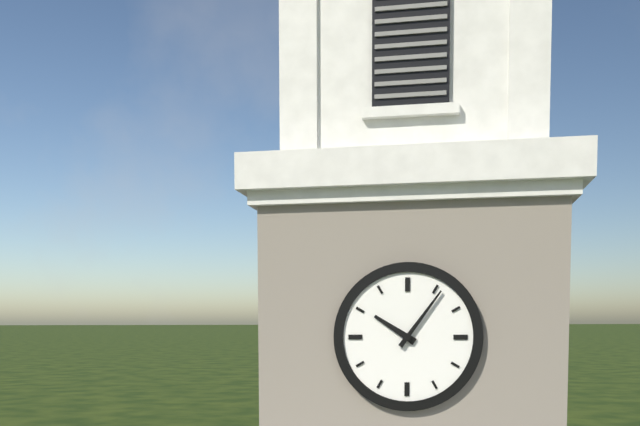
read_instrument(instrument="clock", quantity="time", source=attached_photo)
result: 10:06
